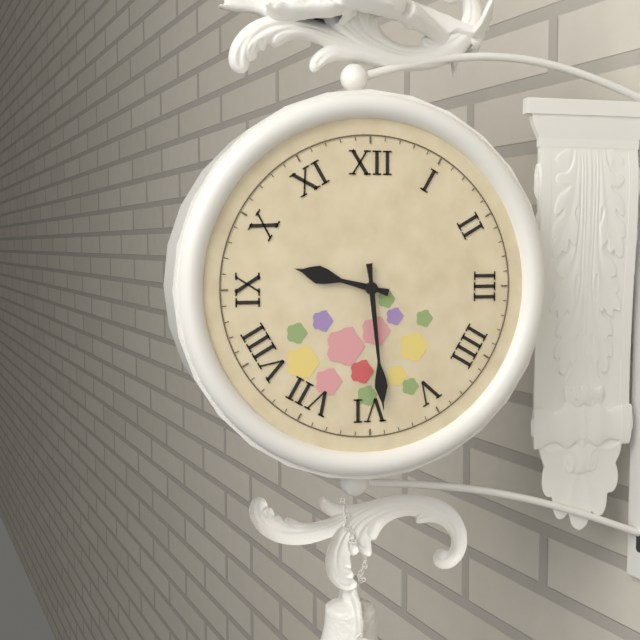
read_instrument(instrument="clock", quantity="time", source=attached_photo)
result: 9:29
